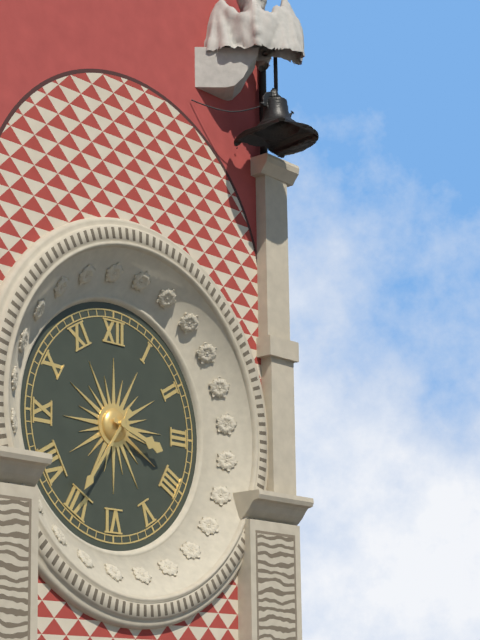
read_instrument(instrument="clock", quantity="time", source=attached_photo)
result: 3:36
